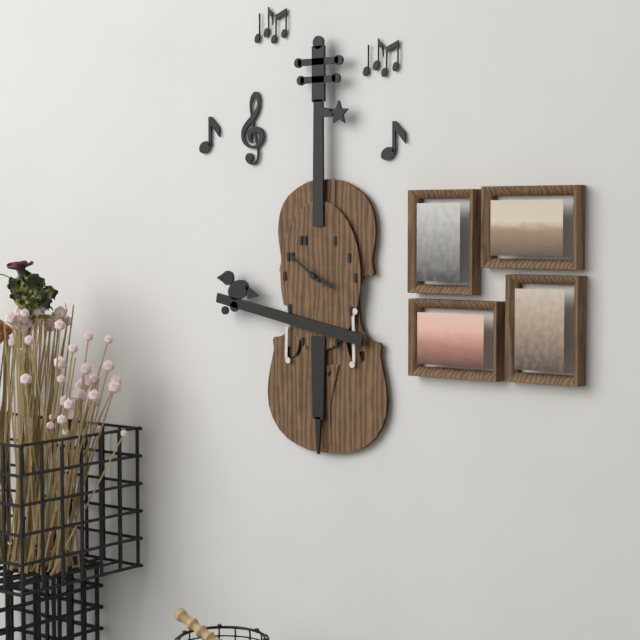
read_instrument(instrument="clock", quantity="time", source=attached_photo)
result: 3:51
